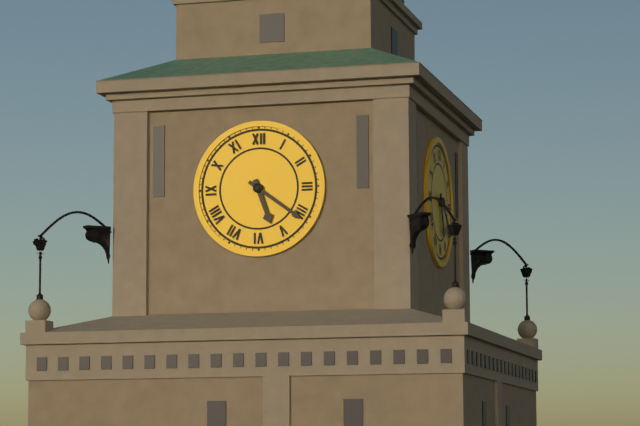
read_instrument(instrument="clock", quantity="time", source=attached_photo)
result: 5:21
